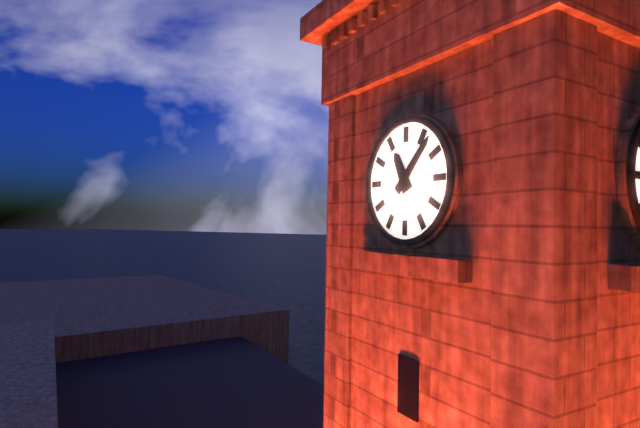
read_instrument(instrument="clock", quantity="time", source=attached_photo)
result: 11:07
